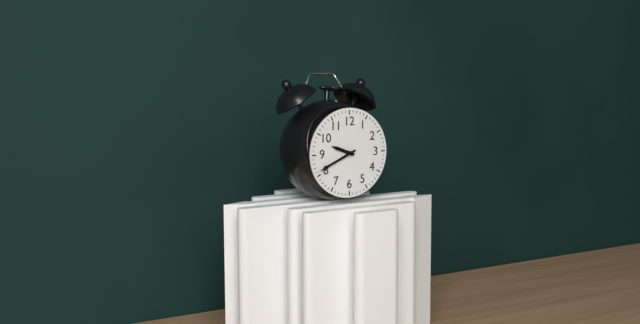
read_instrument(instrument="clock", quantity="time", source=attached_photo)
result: 9:41
